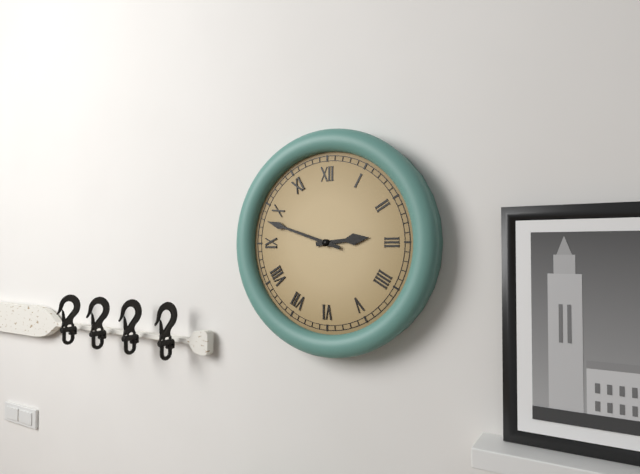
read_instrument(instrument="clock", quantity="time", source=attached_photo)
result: 2:48
